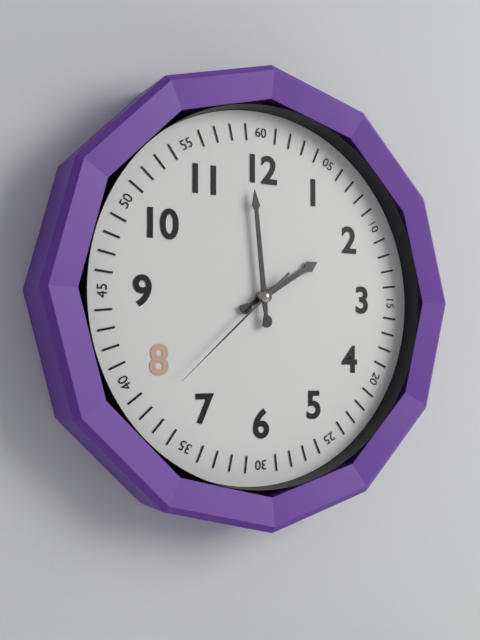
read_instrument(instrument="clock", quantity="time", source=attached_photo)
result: 1:59:38
